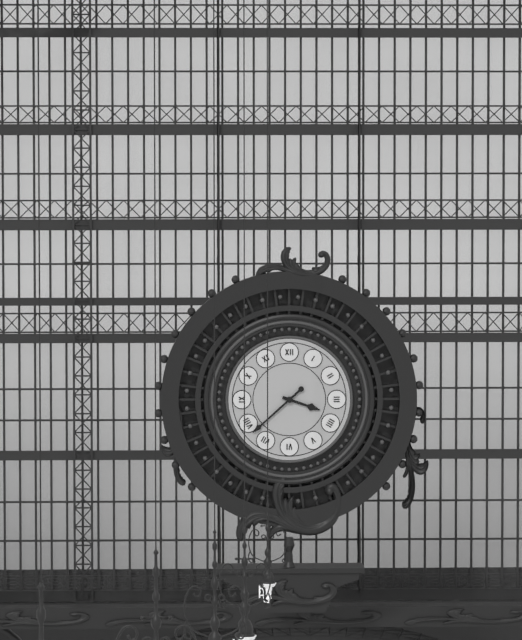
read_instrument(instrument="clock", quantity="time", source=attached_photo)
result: 3:38
